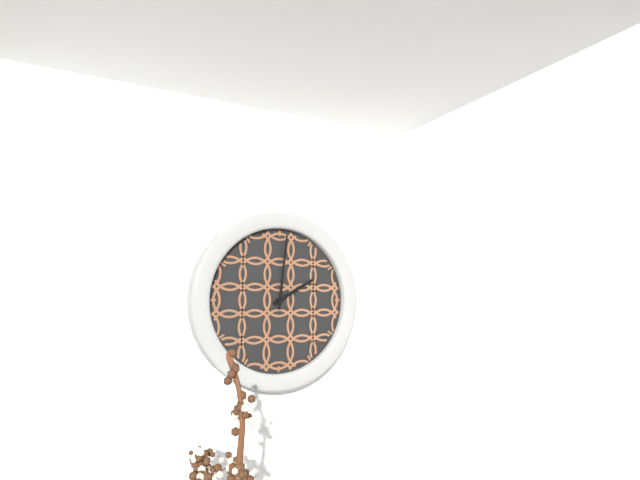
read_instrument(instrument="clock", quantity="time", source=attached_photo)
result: 2:01
